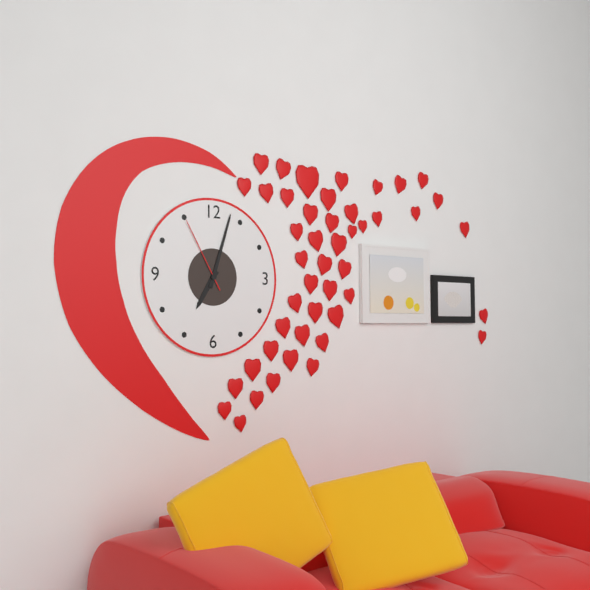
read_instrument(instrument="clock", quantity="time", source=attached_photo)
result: 7:03:55
